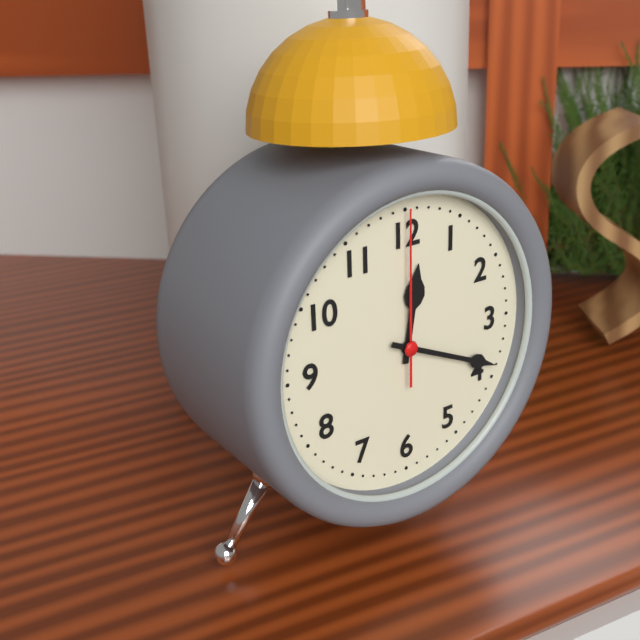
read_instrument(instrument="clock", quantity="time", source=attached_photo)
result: 12:19:00
